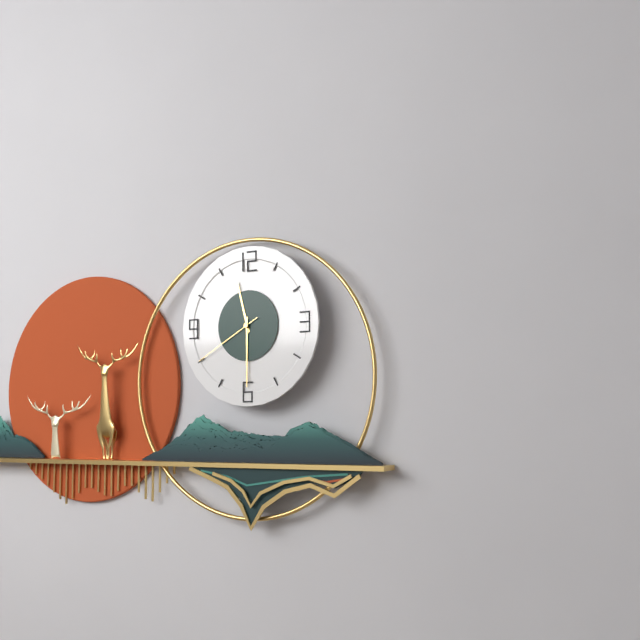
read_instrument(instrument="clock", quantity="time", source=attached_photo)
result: 11:30:40
